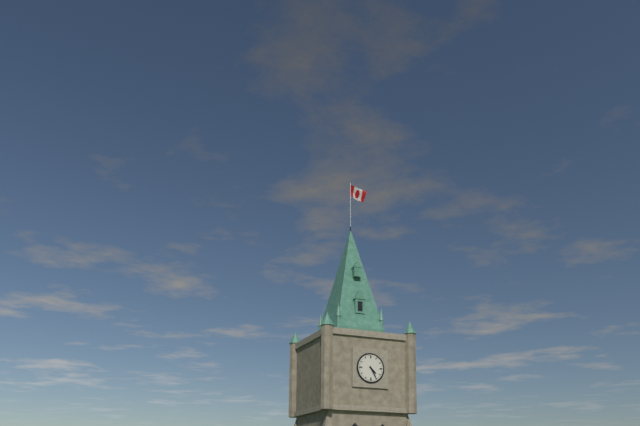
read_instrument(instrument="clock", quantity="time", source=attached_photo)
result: 4:25
